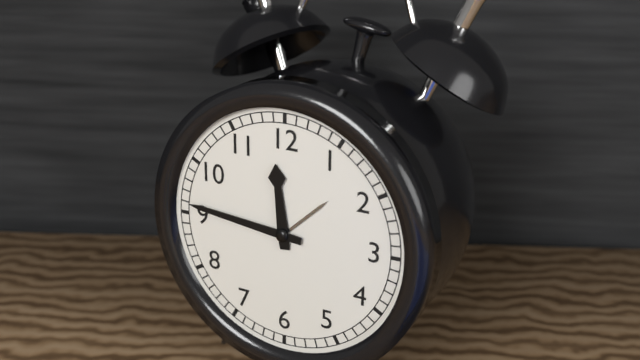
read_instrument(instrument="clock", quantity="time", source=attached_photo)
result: 11:46
